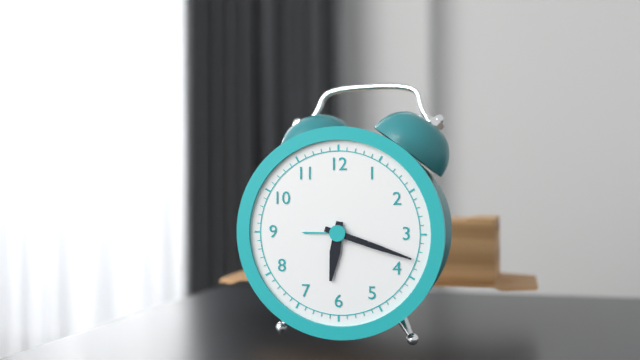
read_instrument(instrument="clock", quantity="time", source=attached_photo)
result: 6:18
